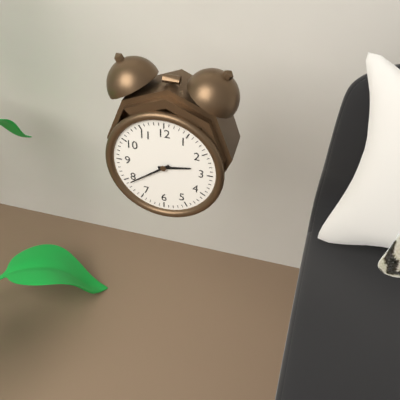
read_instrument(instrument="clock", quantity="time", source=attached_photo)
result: 2:39
